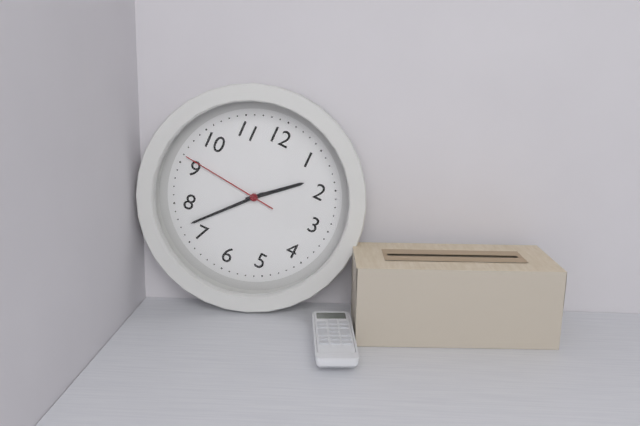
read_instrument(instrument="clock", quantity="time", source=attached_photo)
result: 1:37:46
